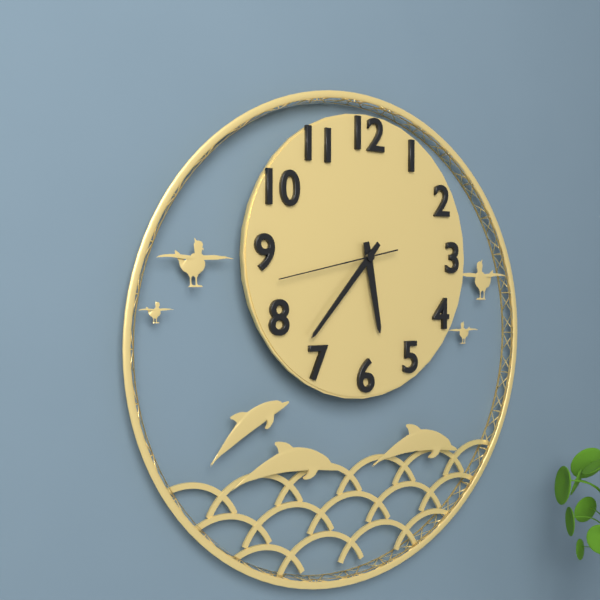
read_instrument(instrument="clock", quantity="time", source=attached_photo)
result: 5:37:43
